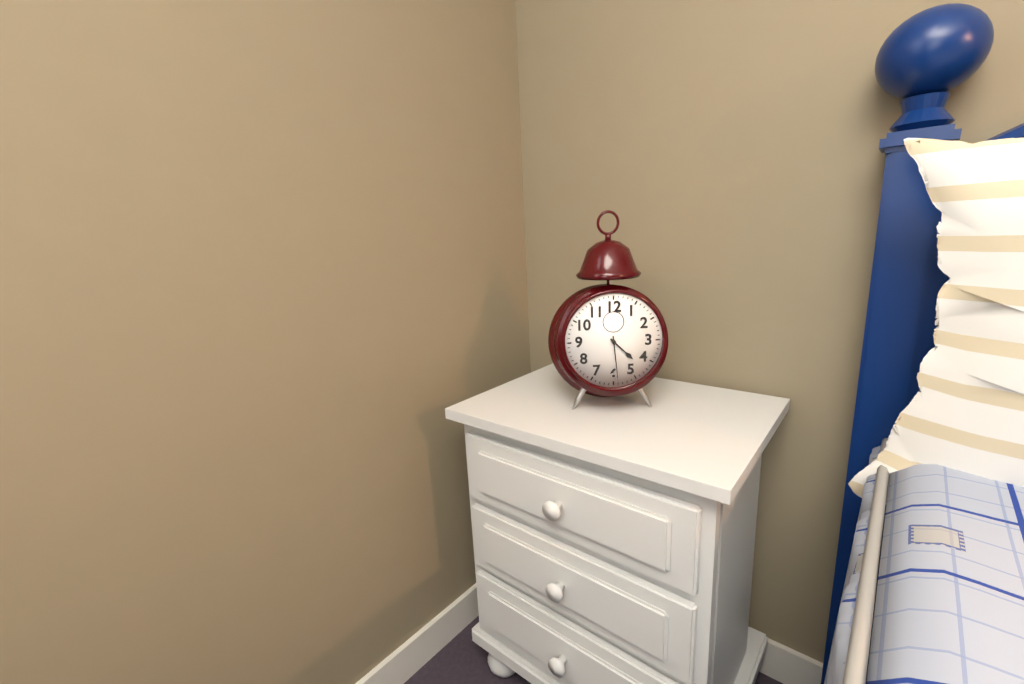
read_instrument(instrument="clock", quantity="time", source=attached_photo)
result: 4:29
